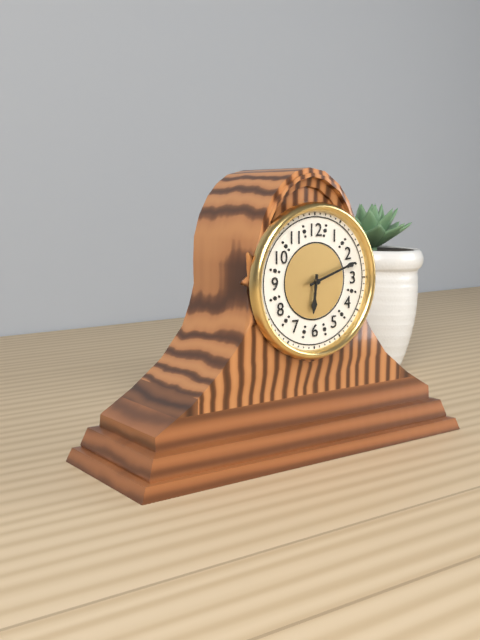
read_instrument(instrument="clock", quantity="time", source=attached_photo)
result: 6:12
